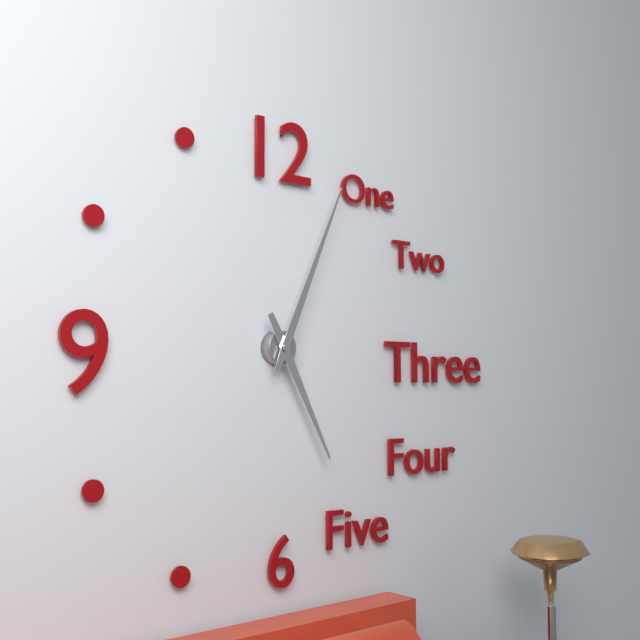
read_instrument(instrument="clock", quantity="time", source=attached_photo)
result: 5:04
